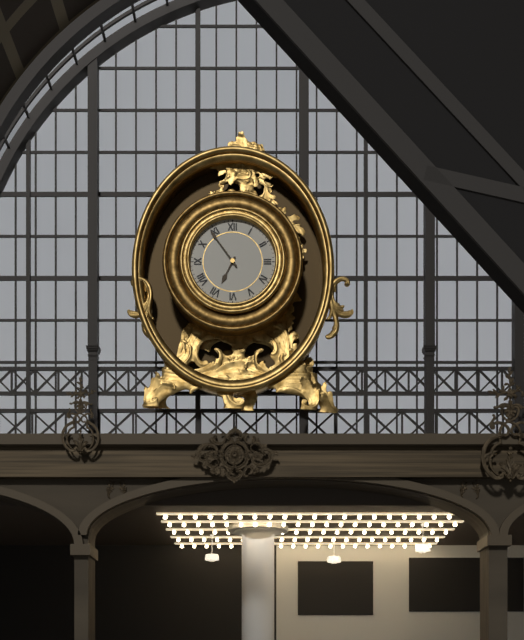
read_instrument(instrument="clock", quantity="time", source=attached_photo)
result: 6:54
